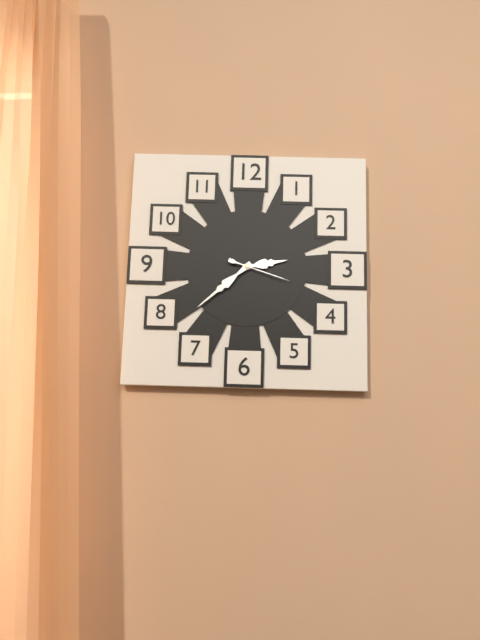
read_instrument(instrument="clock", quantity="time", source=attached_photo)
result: 2:38:18
